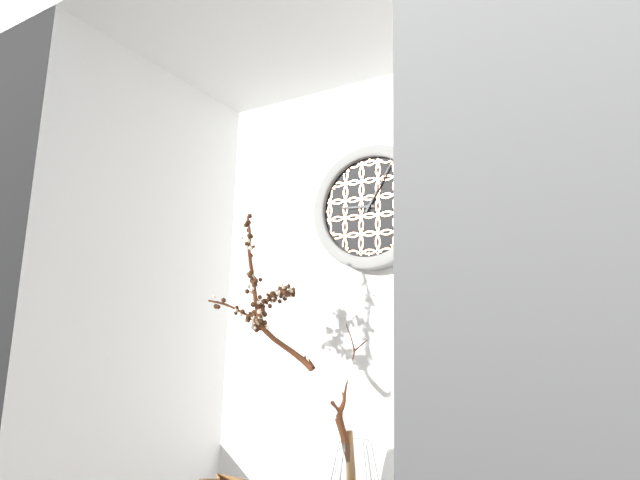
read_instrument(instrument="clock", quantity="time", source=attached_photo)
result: 9:05
